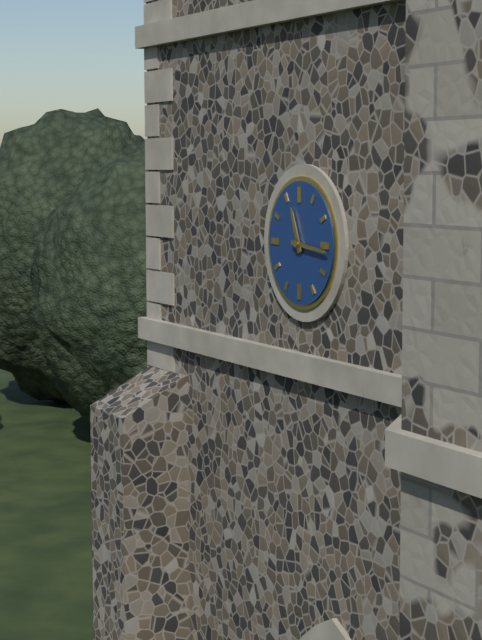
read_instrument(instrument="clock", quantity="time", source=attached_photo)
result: 11:16
